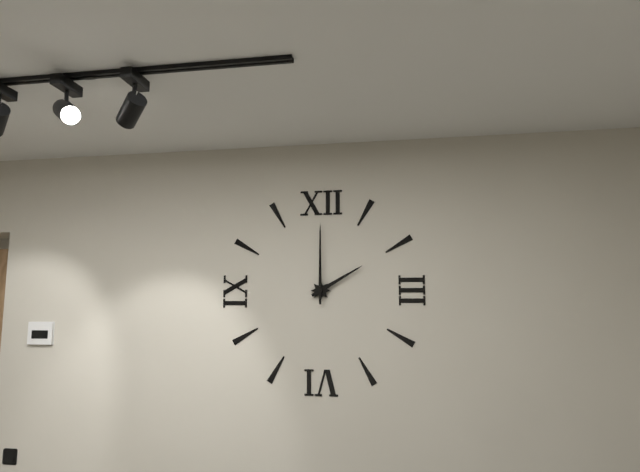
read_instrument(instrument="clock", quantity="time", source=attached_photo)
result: 2:00
